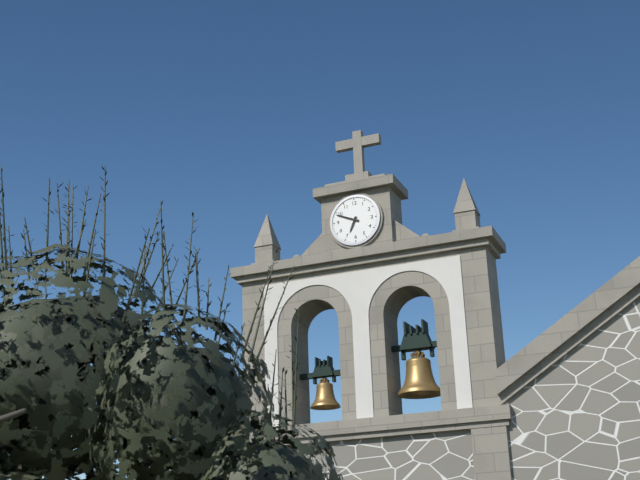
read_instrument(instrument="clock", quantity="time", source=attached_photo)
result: 6:49
